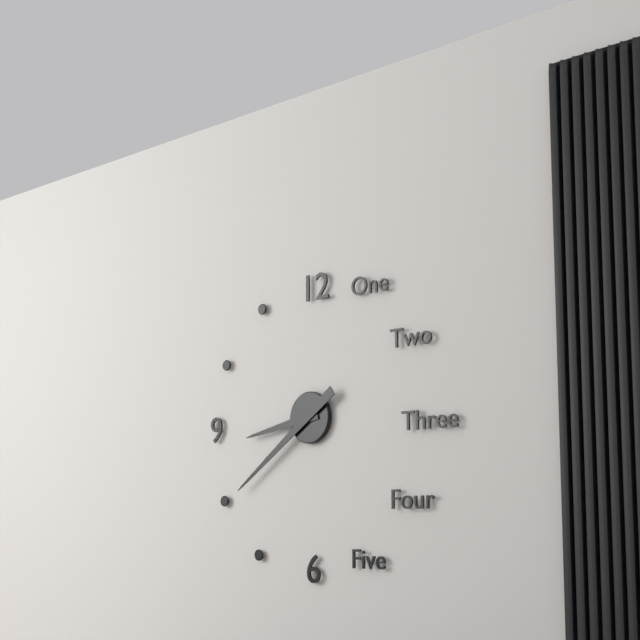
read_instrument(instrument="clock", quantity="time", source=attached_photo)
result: 8:39
